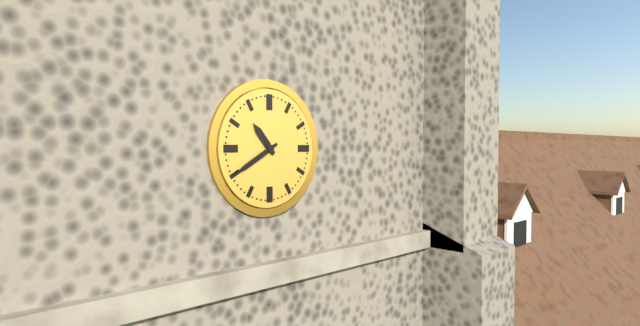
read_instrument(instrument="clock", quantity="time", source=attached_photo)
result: 10:40
